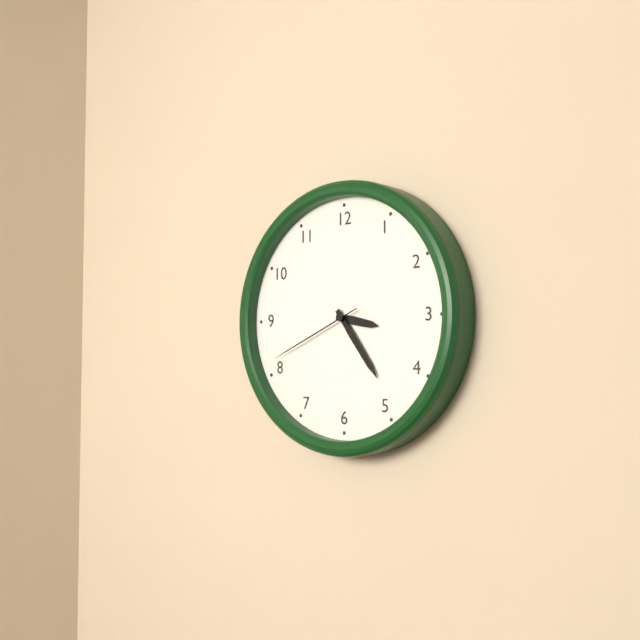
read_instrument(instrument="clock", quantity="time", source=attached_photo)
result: 3:24:41
